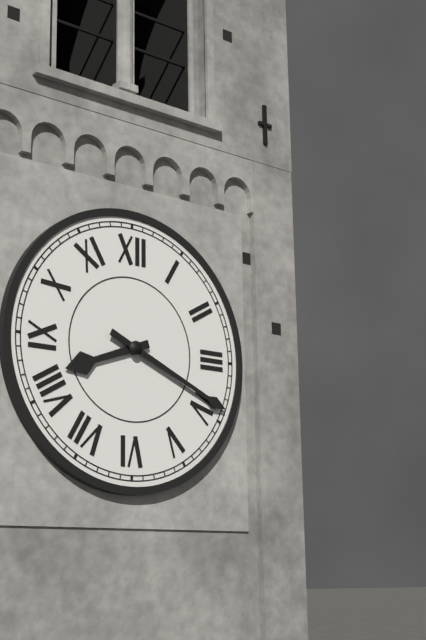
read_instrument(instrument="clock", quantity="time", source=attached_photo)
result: 8:19
